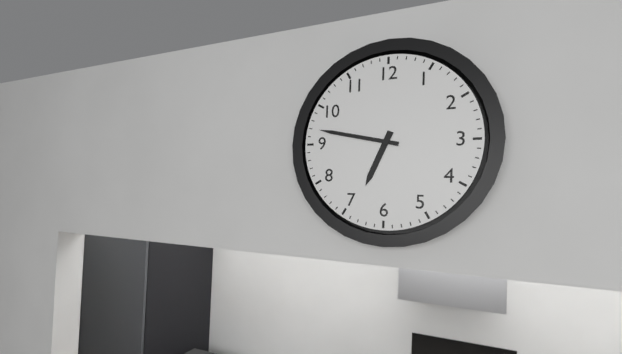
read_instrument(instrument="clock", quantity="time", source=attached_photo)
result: 6:47
